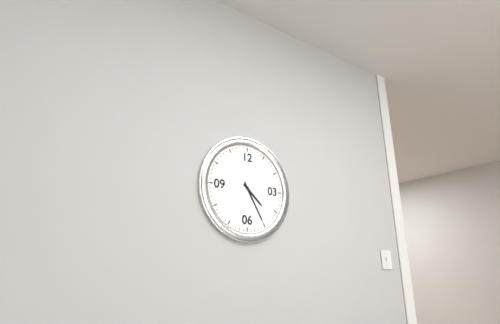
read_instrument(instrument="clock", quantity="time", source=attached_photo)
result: 4:25
